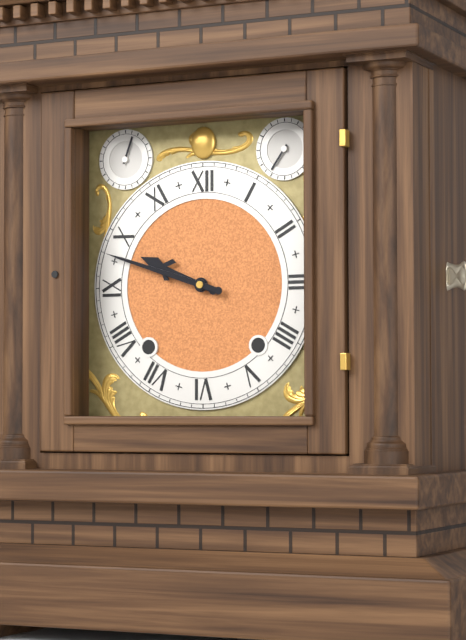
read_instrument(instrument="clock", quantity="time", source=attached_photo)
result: 9:48
